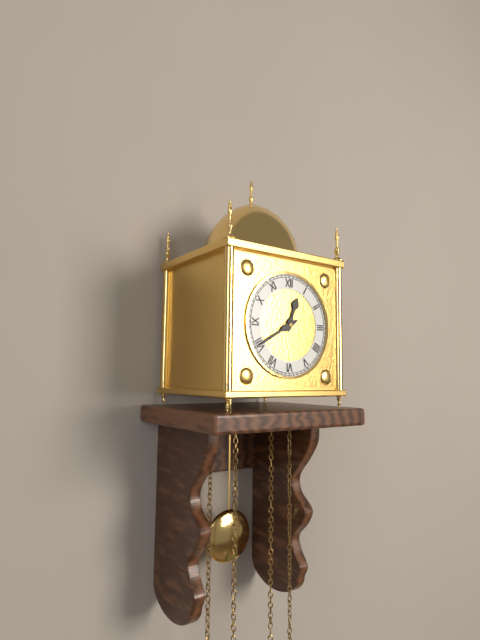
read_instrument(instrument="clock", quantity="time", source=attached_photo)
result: 12:40
